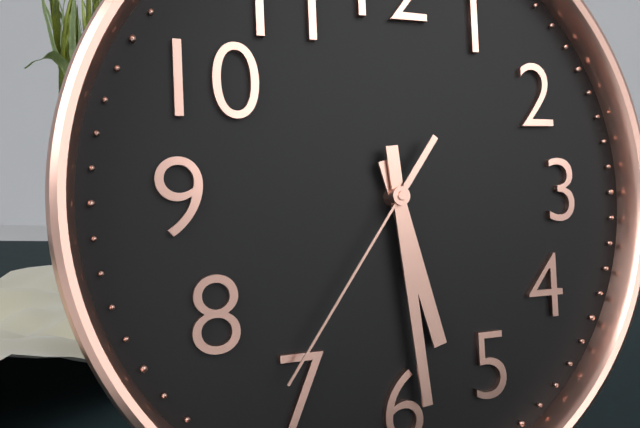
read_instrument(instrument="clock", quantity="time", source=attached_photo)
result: 5:29:36
